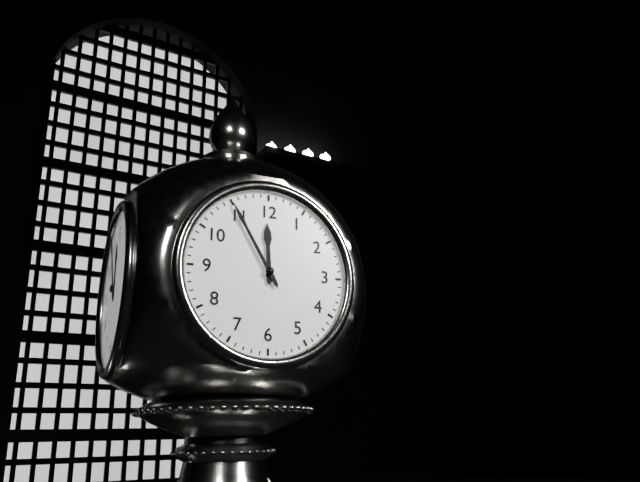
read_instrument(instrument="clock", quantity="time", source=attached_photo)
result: 11:55
